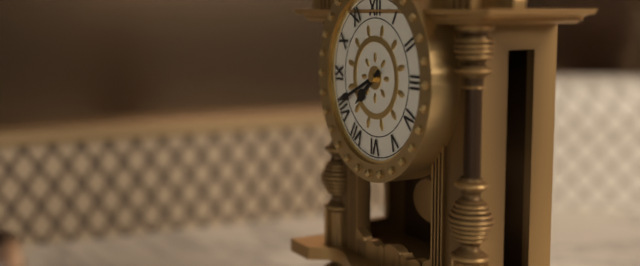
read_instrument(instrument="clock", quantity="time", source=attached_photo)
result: 7:41
